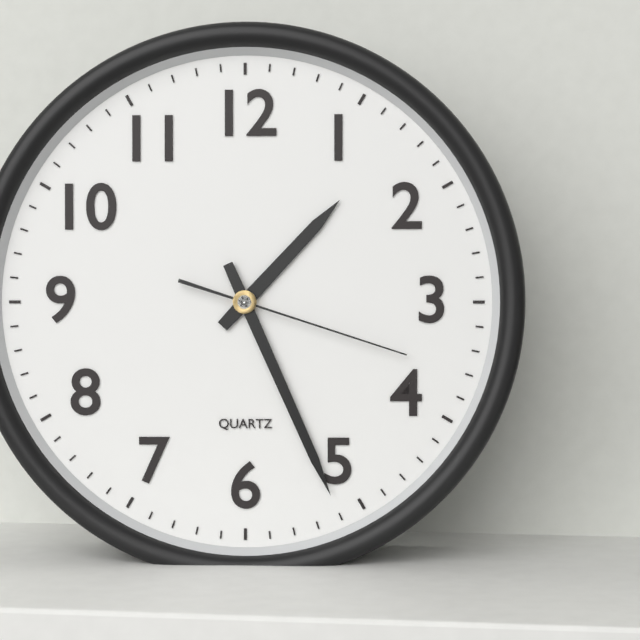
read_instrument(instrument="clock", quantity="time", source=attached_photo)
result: 1:26:18
